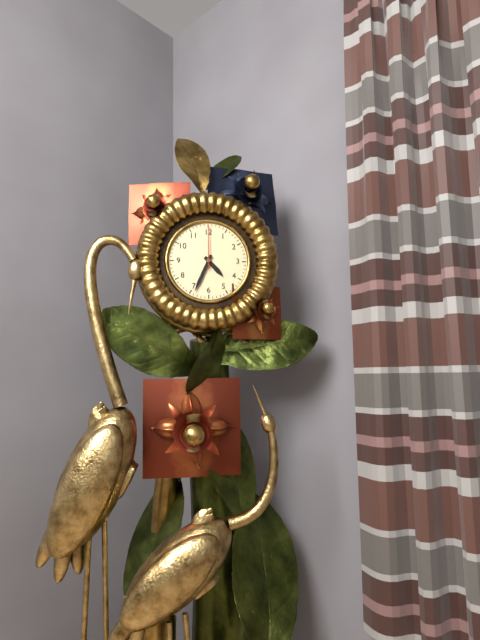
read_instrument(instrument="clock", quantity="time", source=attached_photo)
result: 4:34
